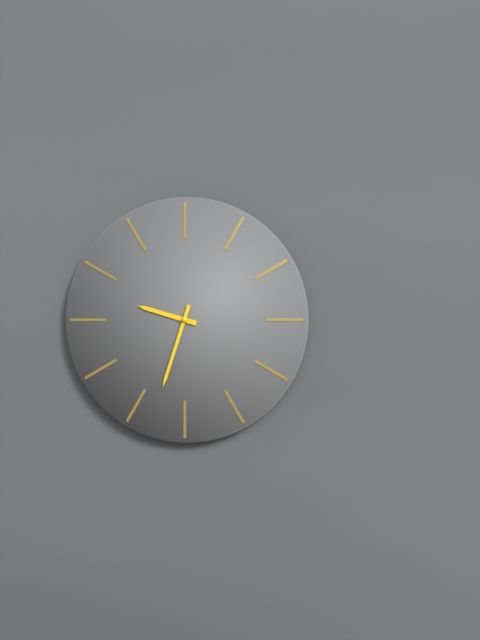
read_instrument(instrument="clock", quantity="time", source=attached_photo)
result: 9:33
